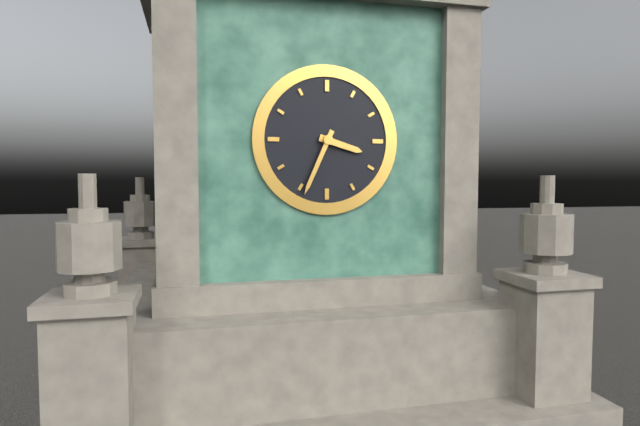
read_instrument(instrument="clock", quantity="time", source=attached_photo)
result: 3:34
